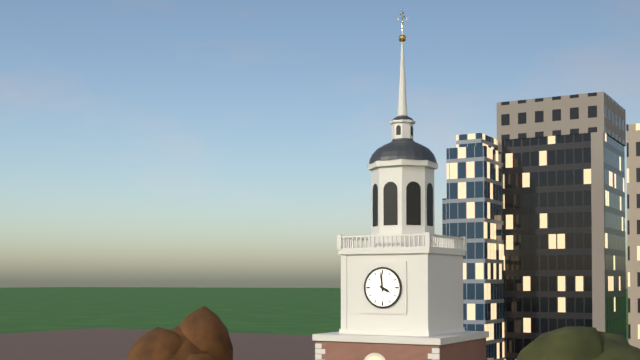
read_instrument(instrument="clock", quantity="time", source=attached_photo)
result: 3:59
